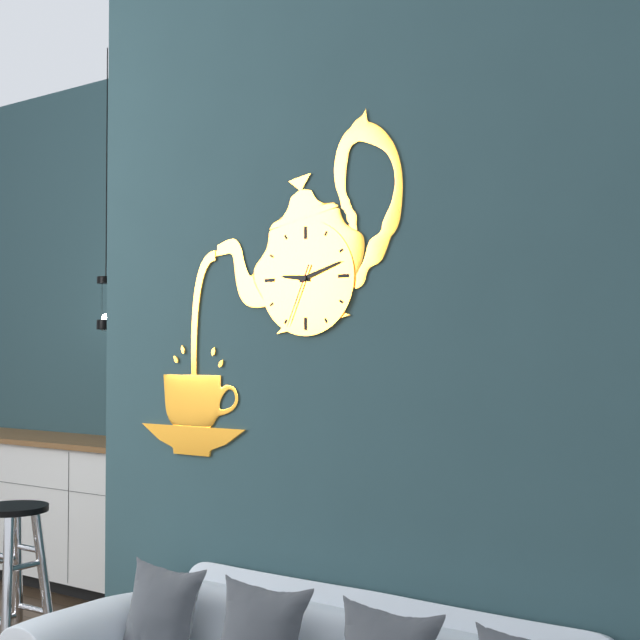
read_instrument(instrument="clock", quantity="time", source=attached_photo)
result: 9:12:34
